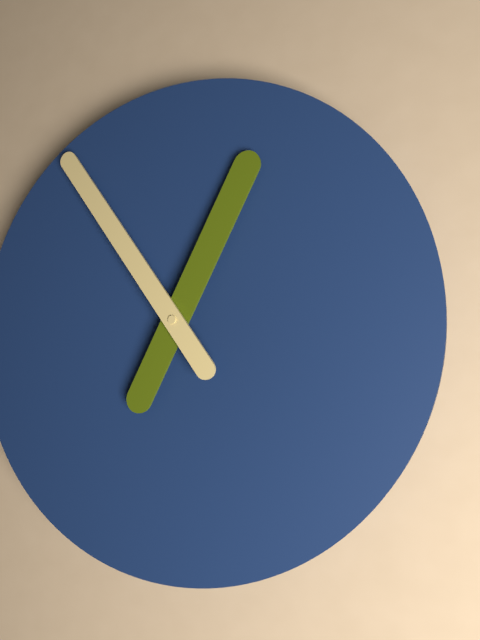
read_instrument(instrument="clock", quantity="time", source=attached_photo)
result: 12:54
